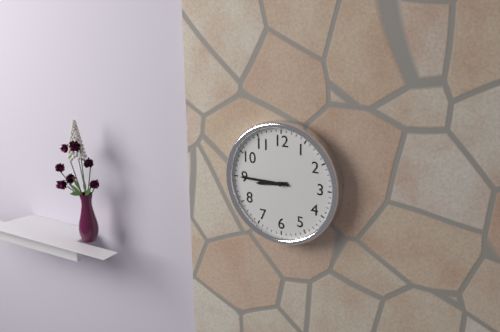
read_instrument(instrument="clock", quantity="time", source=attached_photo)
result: 8:45
